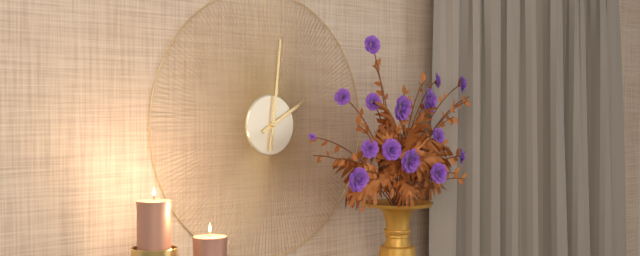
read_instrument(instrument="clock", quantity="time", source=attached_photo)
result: 2:01
